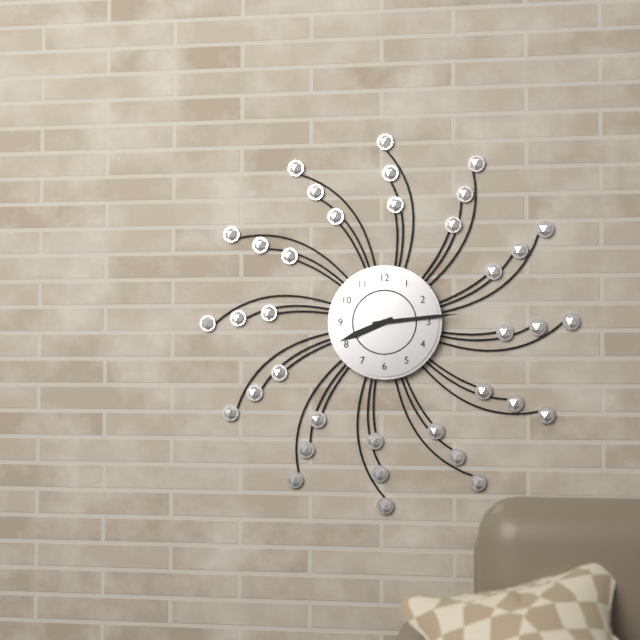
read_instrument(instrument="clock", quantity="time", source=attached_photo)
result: 8:14
